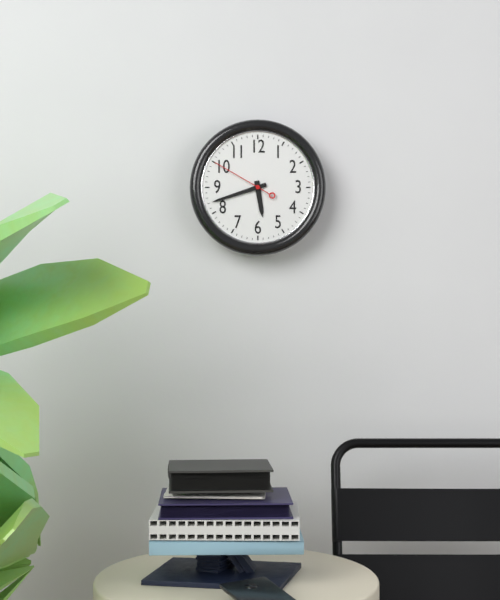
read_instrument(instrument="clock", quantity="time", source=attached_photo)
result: 5:42:50
